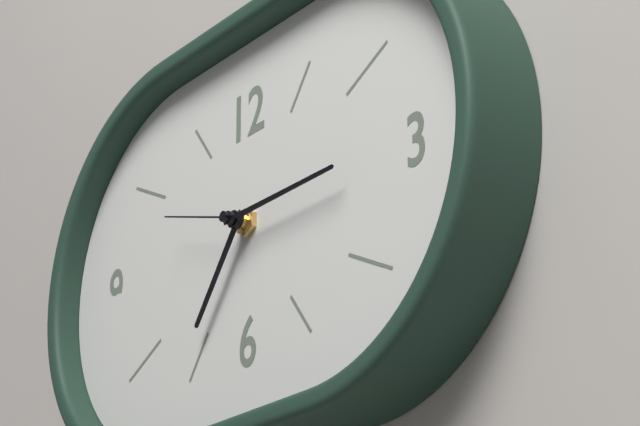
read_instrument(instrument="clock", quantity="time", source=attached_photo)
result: 7:15:48
